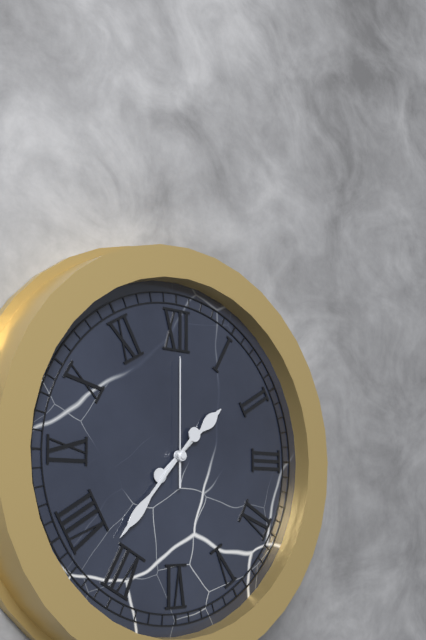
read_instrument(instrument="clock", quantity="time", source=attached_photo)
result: 1:37:00
